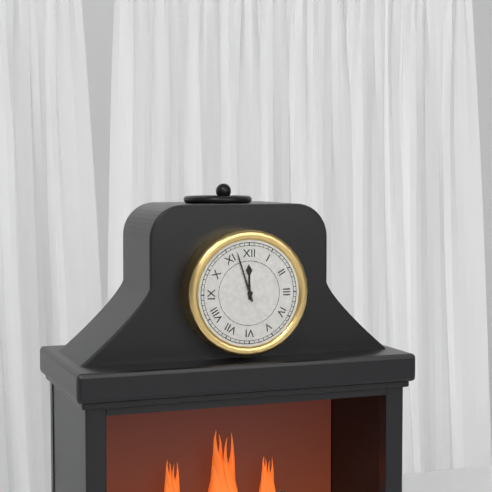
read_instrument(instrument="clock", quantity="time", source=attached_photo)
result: 11:57
